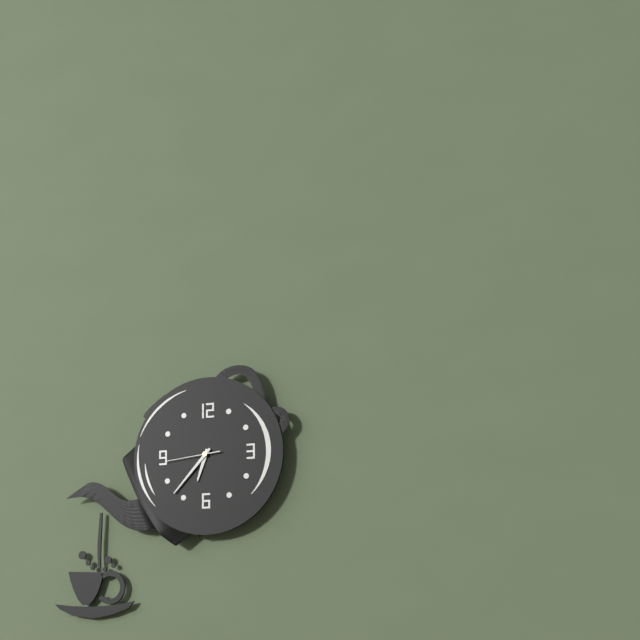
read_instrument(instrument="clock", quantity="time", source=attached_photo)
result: 6:37:44
